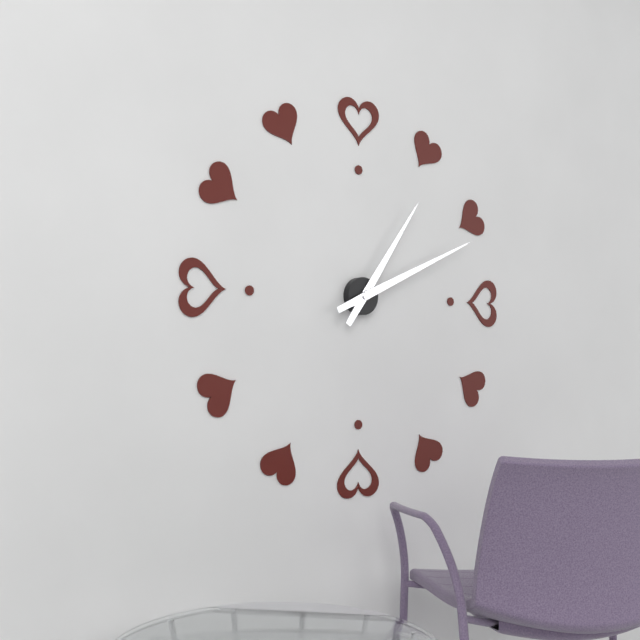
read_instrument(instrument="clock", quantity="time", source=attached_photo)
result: 1:11
